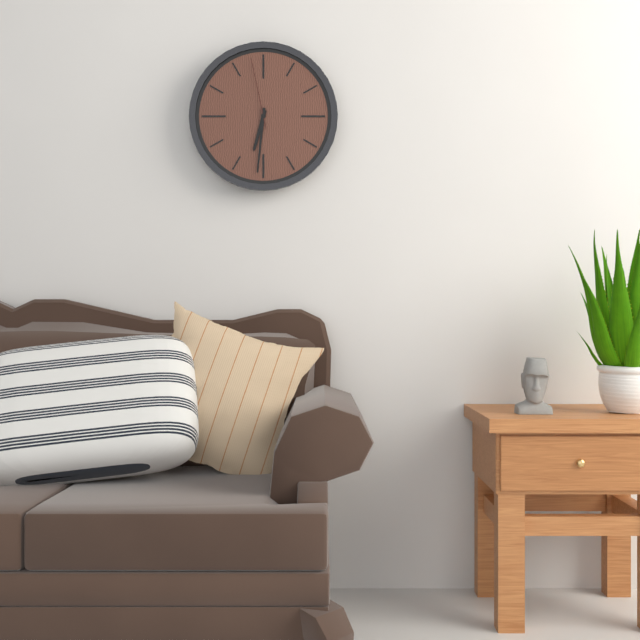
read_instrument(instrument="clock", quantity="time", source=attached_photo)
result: 6:31:58
